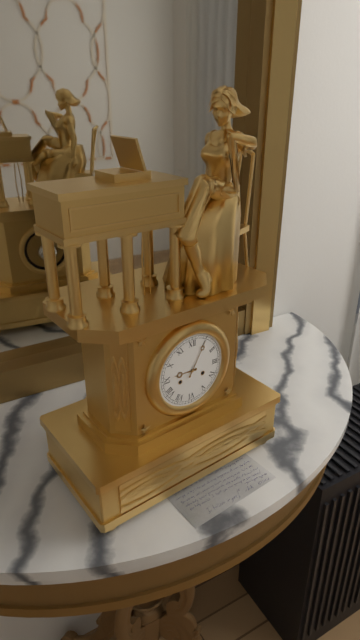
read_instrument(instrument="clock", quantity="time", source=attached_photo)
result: 9:05
